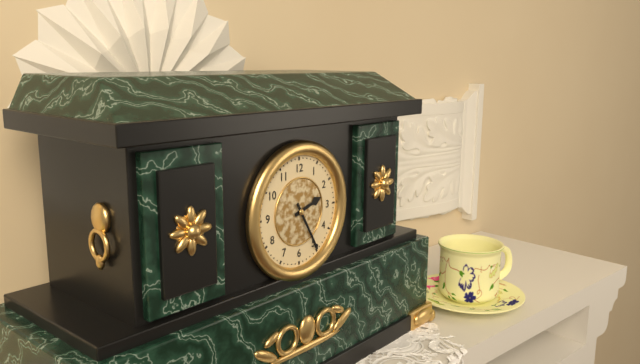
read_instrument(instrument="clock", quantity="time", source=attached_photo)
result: 2:25
